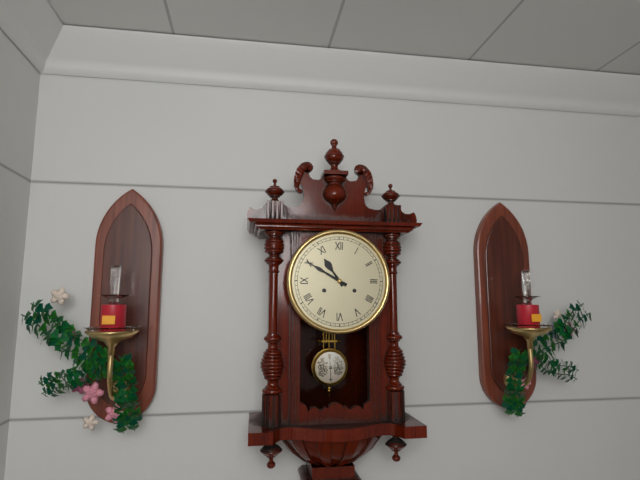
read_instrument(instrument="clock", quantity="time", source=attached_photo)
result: 10:50
